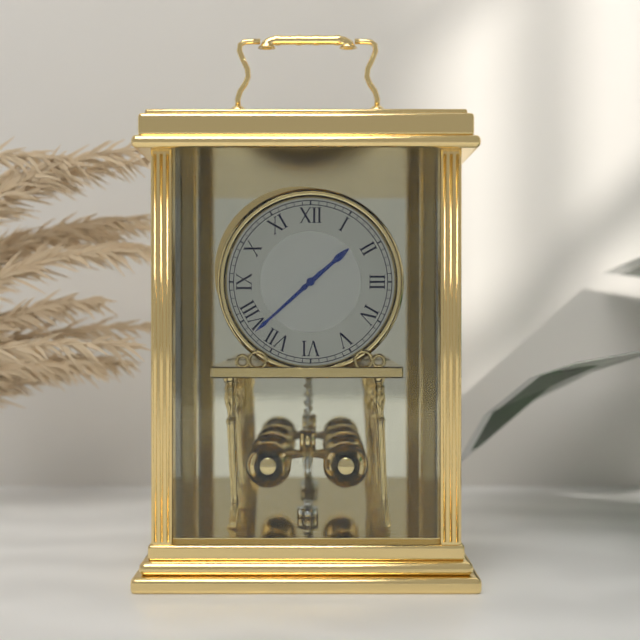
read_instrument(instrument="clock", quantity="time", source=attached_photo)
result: 1:38
